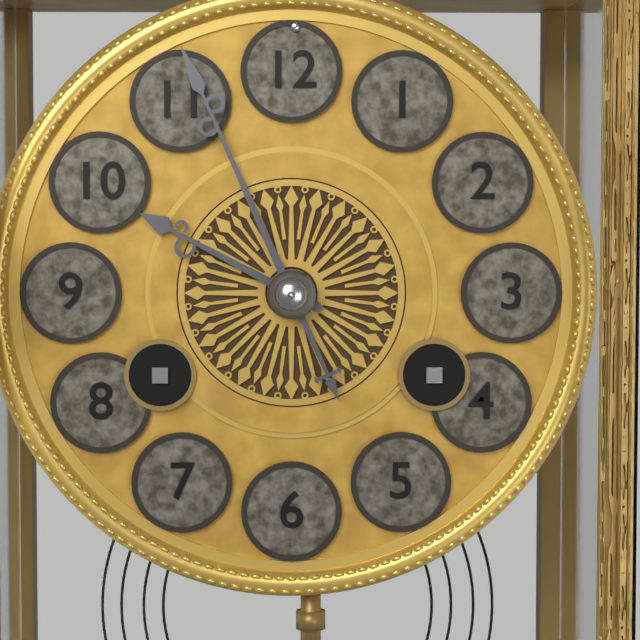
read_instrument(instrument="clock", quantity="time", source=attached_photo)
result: 9:56
